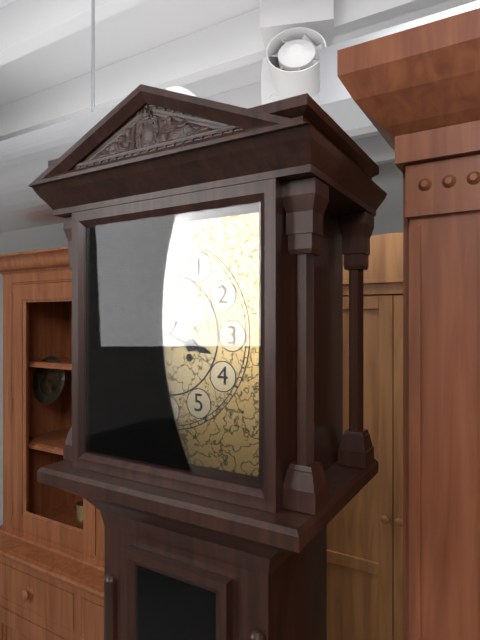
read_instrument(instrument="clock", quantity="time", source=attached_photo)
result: 3:36
